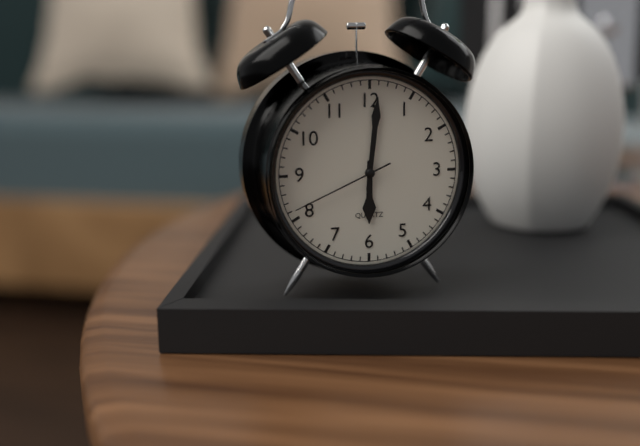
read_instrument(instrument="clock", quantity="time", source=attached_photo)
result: 6:01:41
